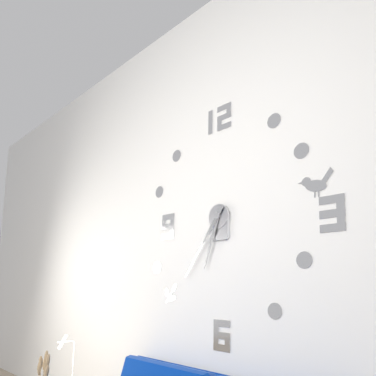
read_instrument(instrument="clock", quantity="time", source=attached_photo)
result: 6:36
